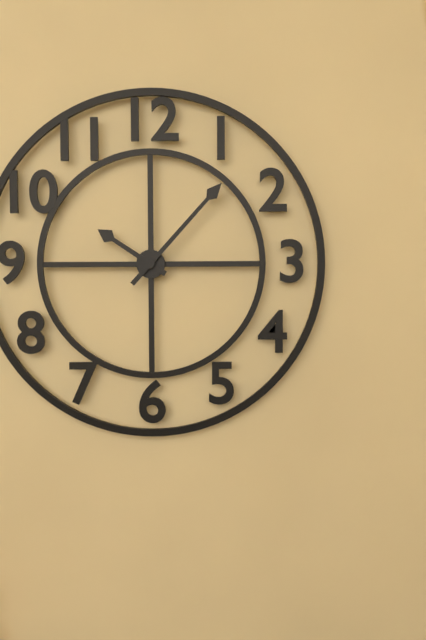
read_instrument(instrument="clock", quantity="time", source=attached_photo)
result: 10:07
